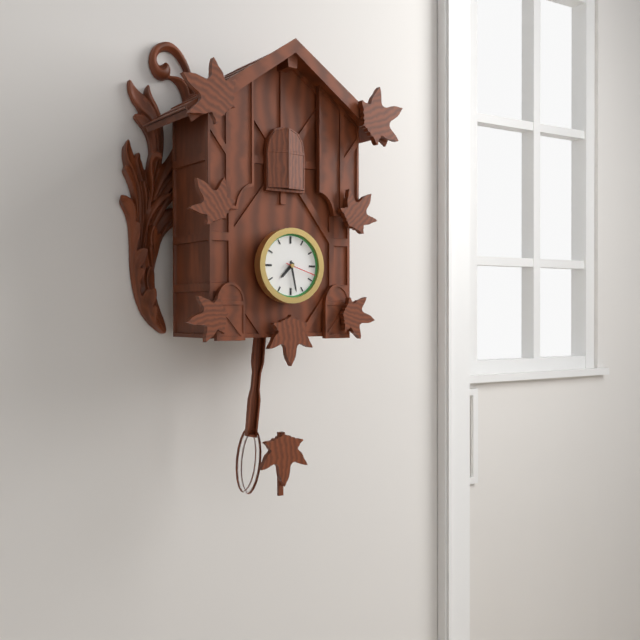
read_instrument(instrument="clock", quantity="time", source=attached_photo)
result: 7:28
